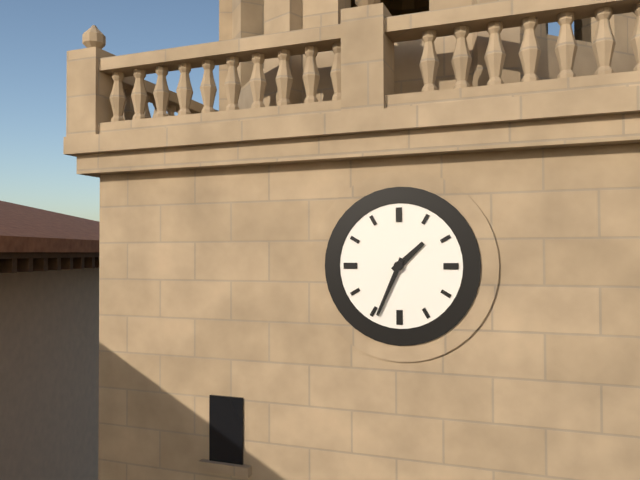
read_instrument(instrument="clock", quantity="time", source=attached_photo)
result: 1:34
